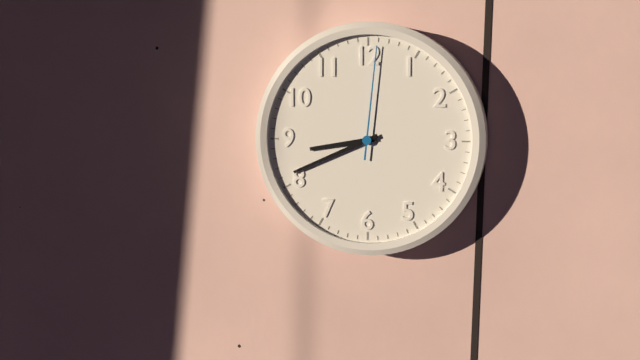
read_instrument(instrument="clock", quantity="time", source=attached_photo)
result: 8:41:01
